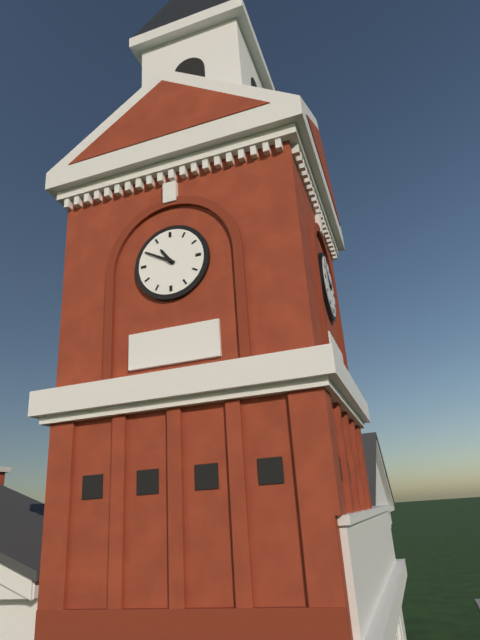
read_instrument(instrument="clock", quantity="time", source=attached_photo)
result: 10:50
